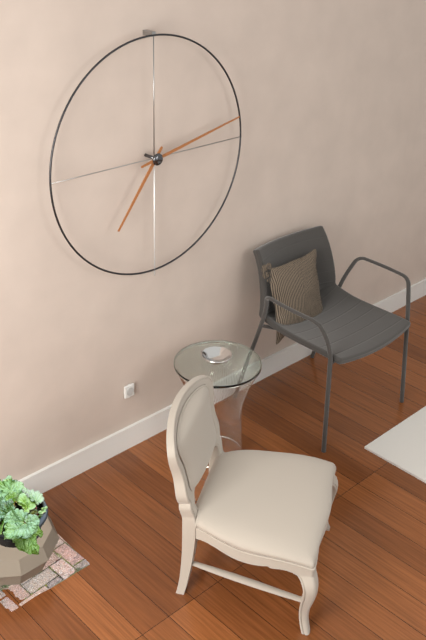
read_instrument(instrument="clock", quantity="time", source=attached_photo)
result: 7:13
